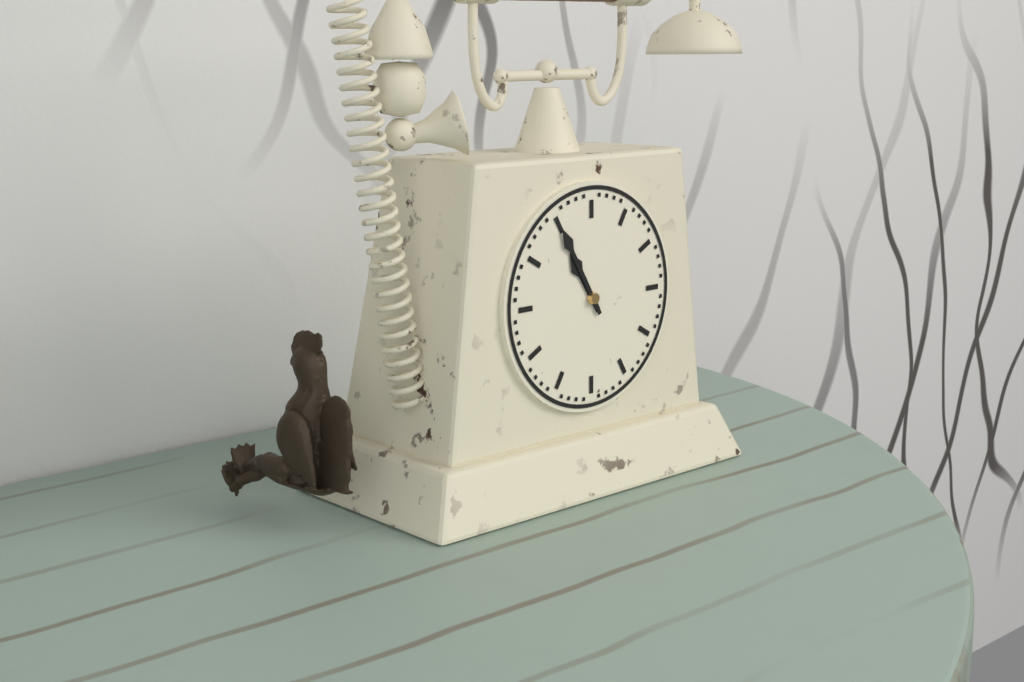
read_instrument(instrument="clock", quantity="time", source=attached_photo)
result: 10:55
